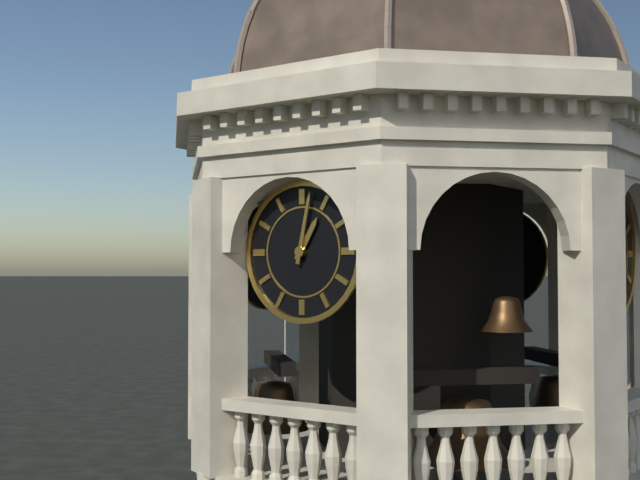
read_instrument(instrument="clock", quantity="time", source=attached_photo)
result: 1:02
